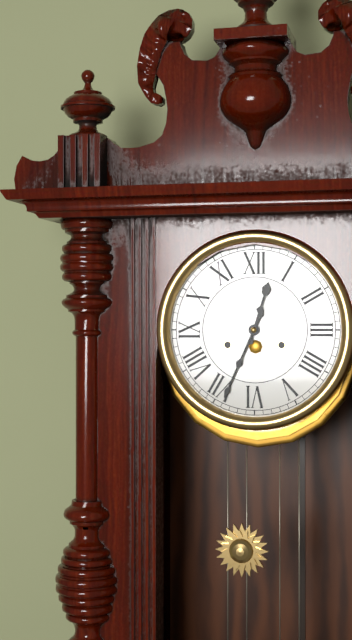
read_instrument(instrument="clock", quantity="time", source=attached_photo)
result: 12:34
